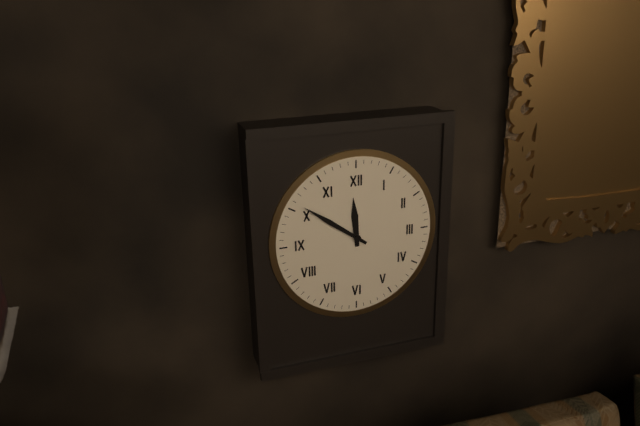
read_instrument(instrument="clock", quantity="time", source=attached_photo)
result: 11:51
